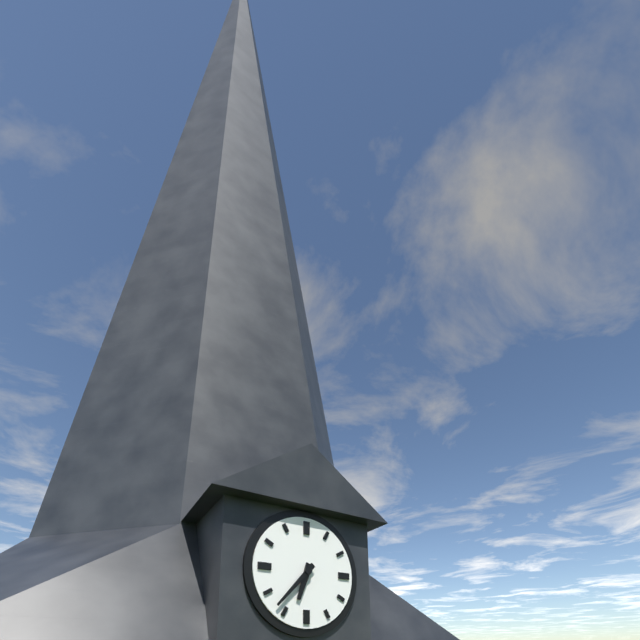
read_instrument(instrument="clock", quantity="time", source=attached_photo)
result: 6:37
